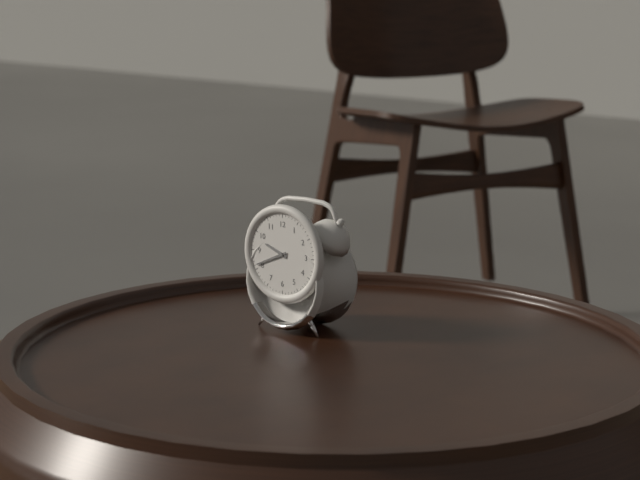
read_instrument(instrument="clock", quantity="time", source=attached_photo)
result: 9:41
